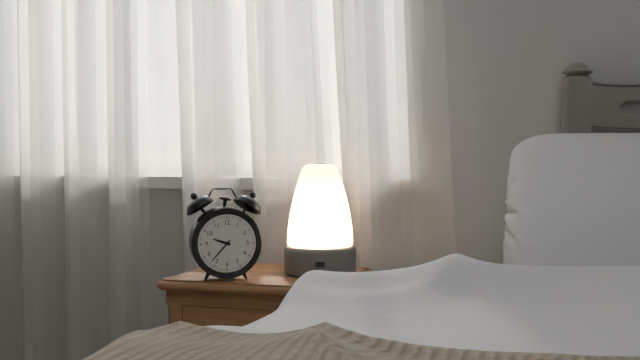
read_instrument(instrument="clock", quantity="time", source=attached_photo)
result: 9:37
